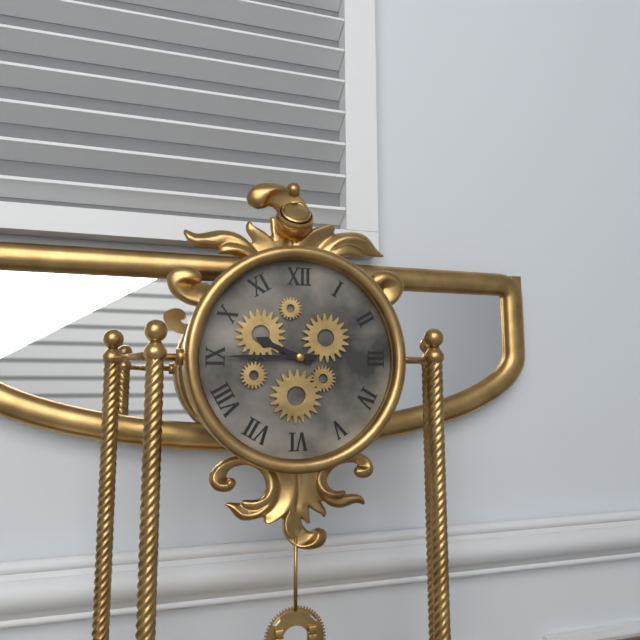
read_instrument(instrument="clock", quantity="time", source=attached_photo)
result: 9:45
